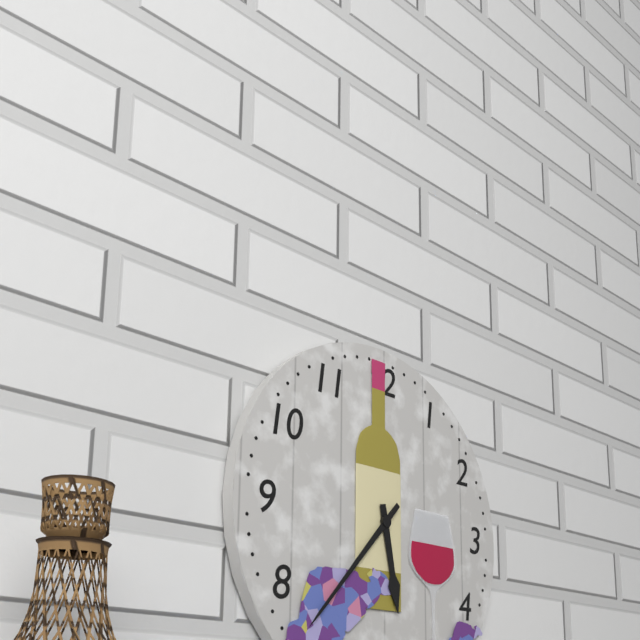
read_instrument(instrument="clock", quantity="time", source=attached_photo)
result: 5:37
